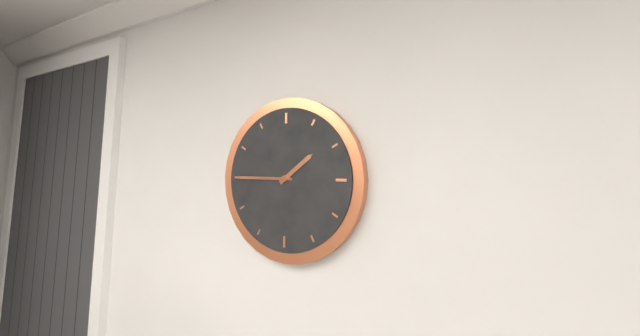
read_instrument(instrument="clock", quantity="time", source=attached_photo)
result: 1:45
